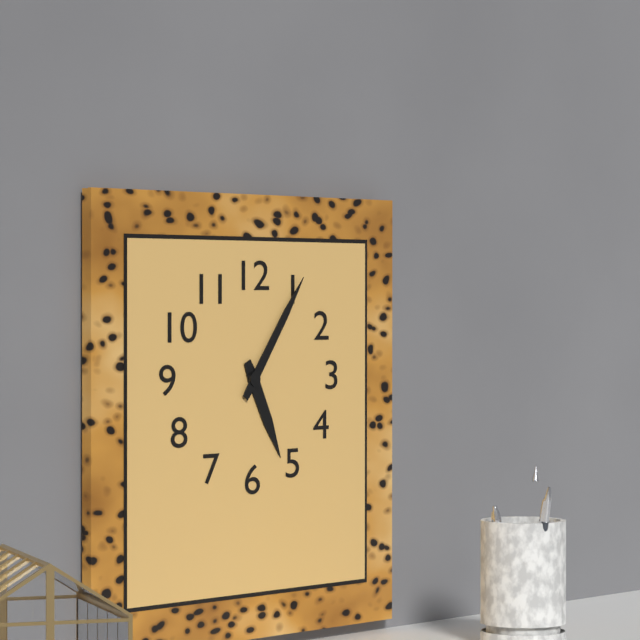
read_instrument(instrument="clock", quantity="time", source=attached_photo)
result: 5:06
